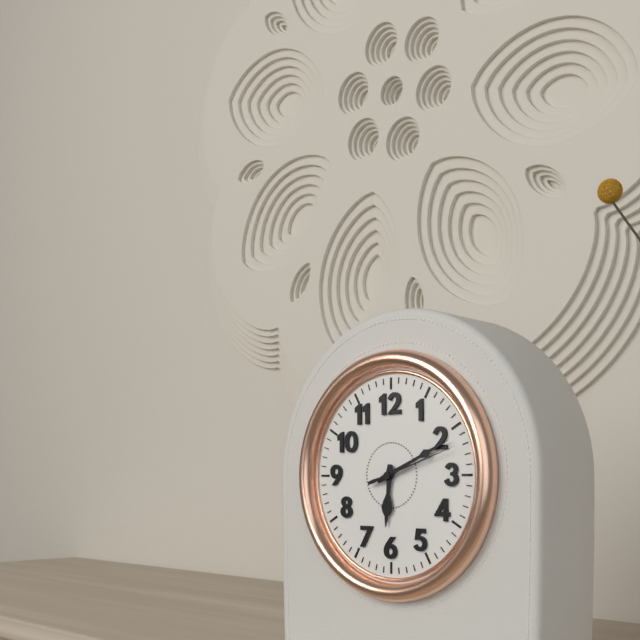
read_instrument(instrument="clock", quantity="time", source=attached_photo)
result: 6:11:12
